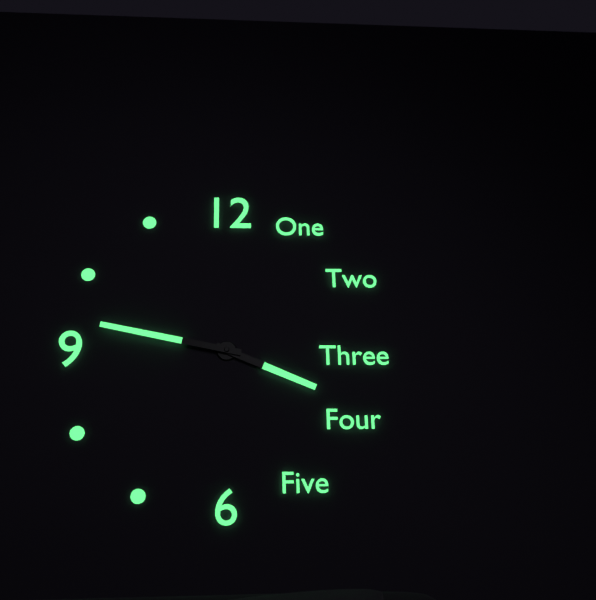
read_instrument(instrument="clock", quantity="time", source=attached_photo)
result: 3:47
